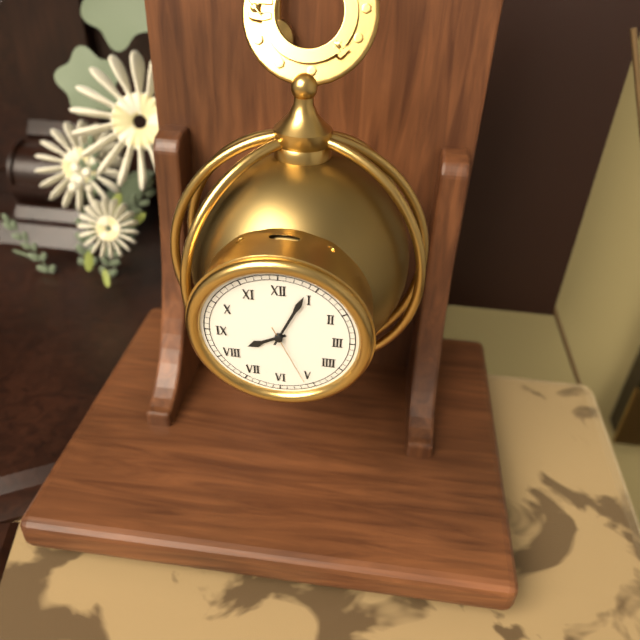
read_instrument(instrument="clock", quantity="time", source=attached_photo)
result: 8:04:26
